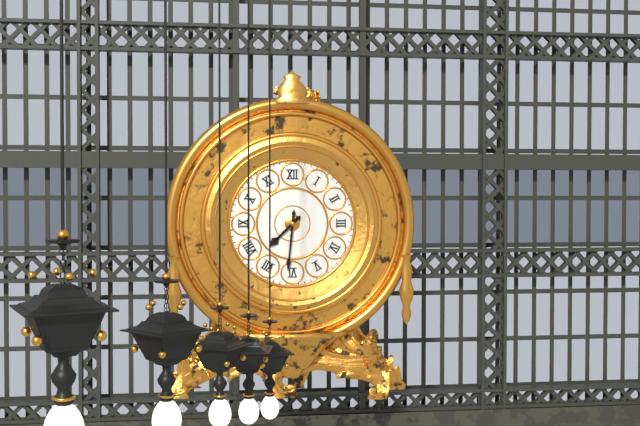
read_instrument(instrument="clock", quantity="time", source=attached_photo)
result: 7:31
